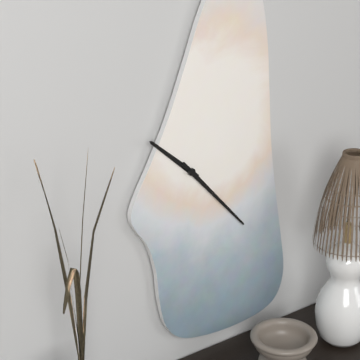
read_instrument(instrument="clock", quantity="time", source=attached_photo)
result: 10:23
